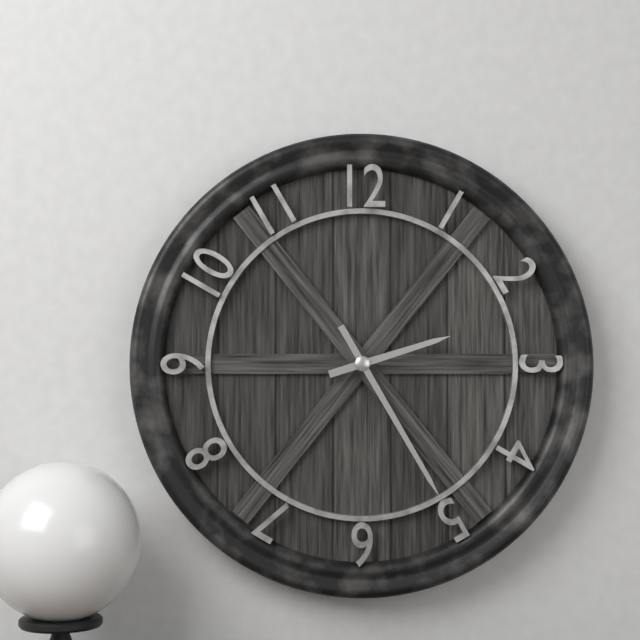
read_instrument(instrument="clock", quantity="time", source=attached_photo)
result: 2:25
